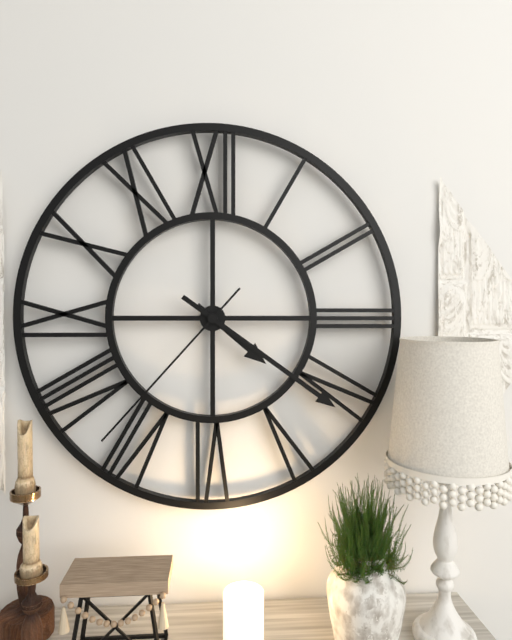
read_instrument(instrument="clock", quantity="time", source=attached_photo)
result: 4:21:37
